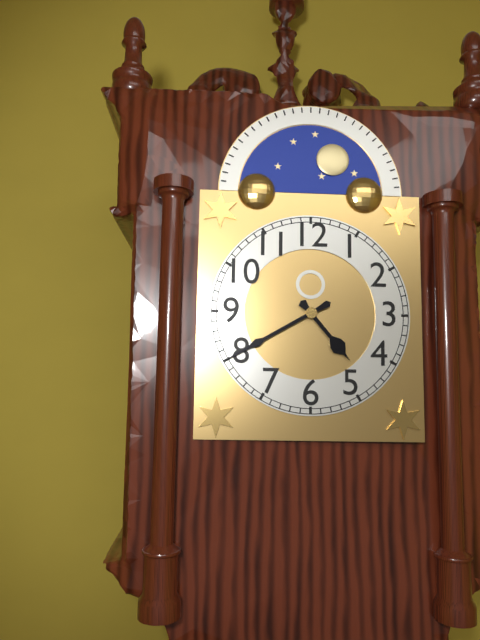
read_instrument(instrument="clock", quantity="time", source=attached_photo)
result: 4:40
